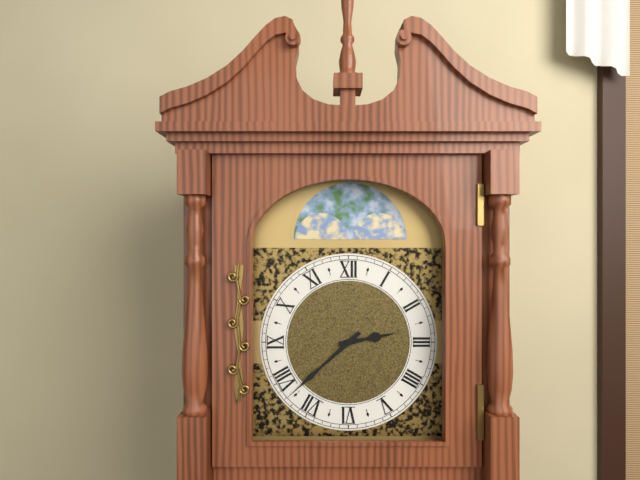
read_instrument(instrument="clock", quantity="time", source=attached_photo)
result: 2:38
